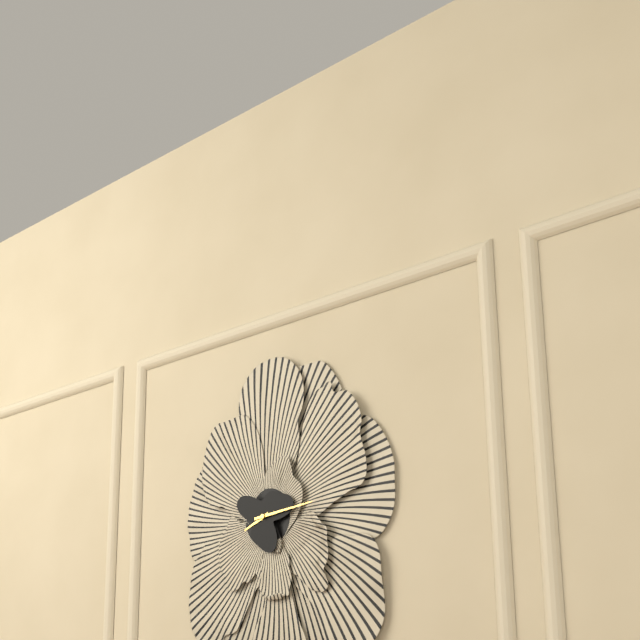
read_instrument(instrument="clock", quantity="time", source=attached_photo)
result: 8:14
